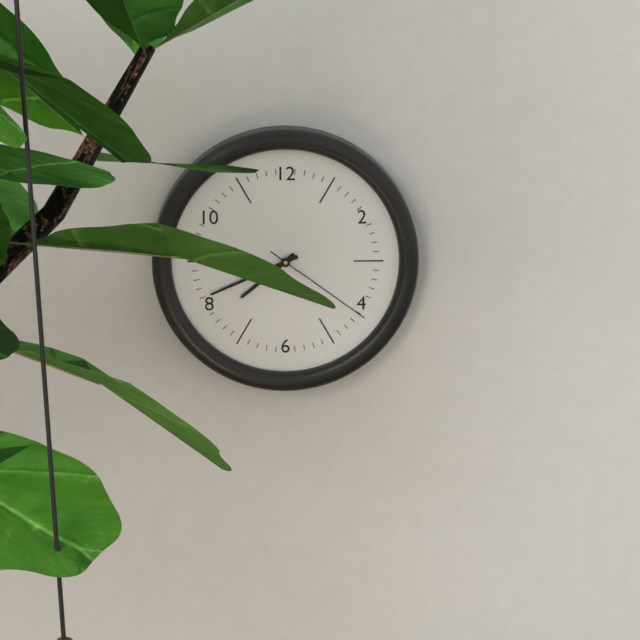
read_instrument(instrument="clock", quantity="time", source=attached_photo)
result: 7:41:21
